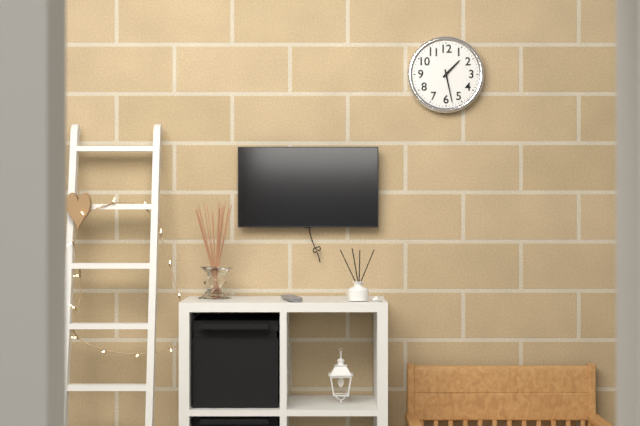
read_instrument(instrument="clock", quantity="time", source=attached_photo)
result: 1:28
